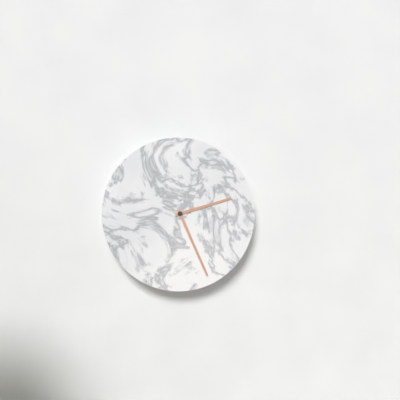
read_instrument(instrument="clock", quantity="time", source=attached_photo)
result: 2:26
